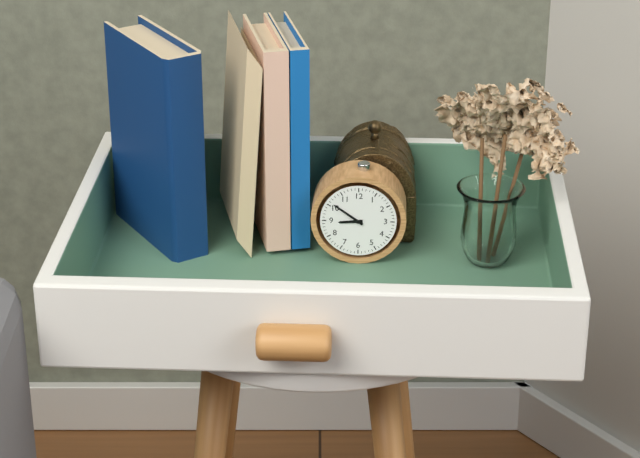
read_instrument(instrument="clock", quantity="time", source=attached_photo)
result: 8:51
